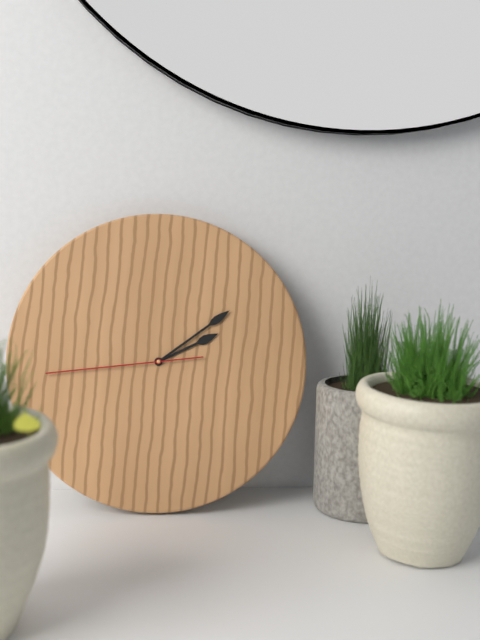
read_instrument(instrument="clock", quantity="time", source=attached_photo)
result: 2:09:44
